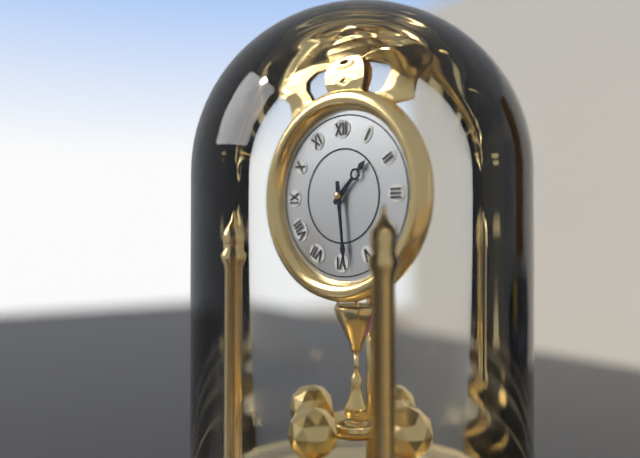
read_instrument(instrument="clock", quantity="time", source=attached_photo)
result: 1:29
